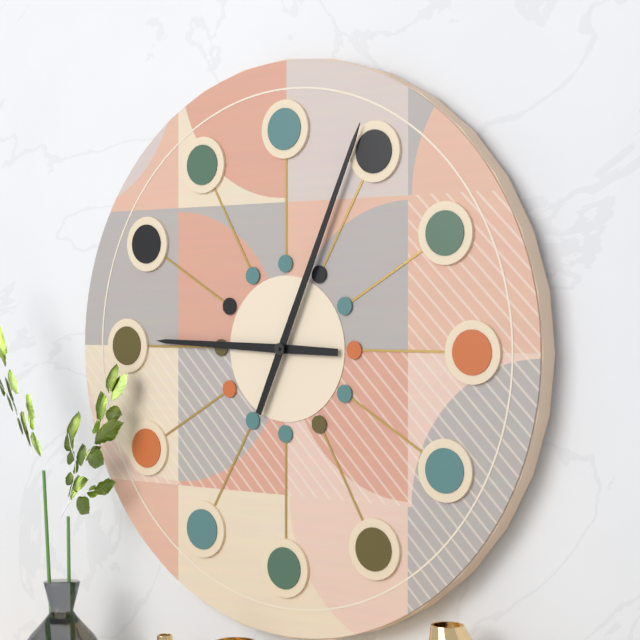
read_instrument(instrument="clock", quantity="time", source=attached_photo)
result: 9:04
